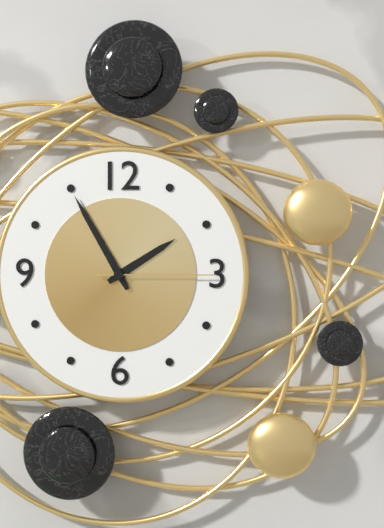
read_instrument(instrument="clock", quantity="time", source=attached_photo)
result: 1:55:15
